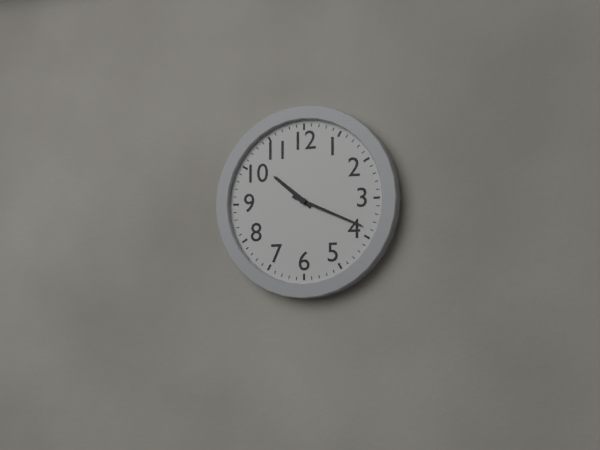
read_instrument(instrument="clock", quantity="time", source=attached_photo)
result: 10:19
